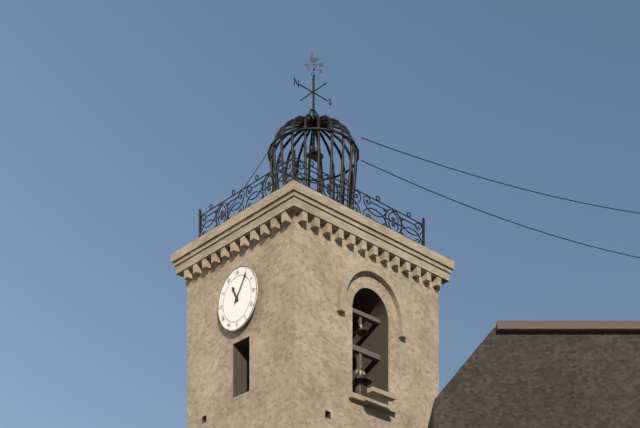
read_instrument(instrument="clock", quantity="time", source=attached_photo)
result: 11:06
